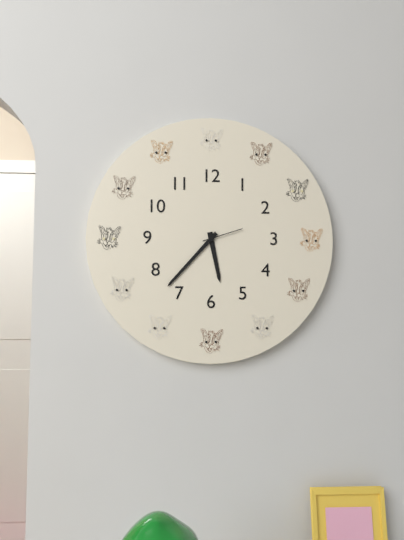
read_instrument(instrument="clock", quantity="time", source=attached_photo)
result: 5:37
